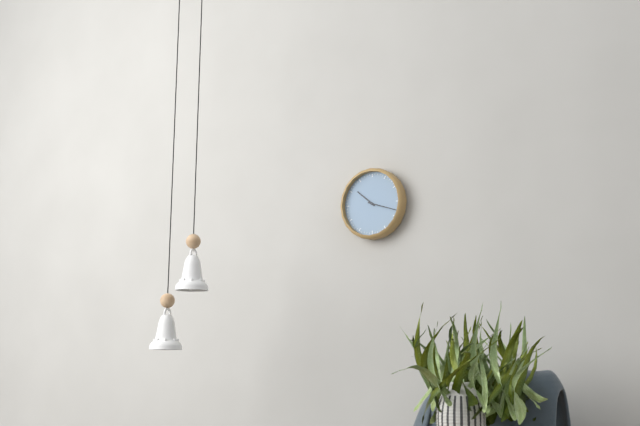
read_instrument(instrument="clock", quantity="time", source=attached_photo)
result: 10:18
